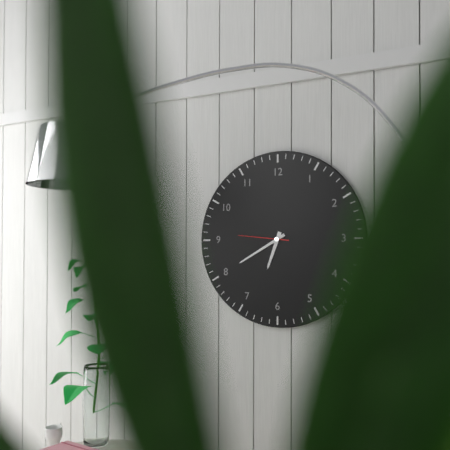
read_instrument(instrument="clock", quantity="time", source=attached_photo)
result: 6:40
